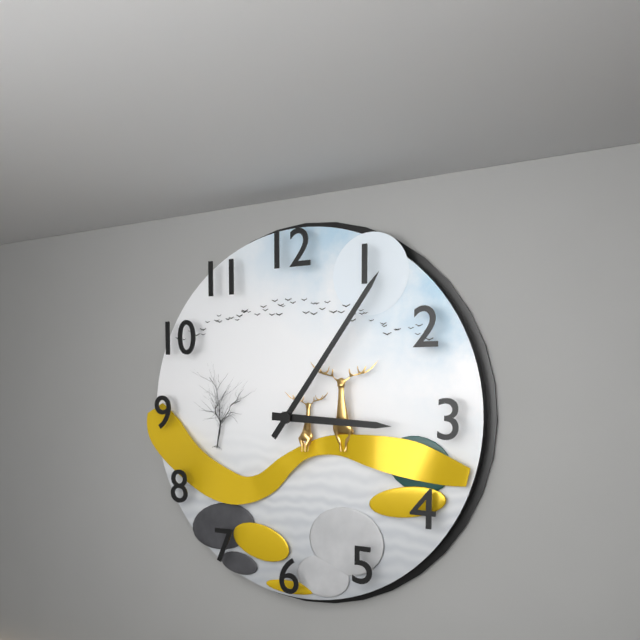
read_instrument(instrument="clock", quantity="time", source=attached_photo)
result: 3:06
